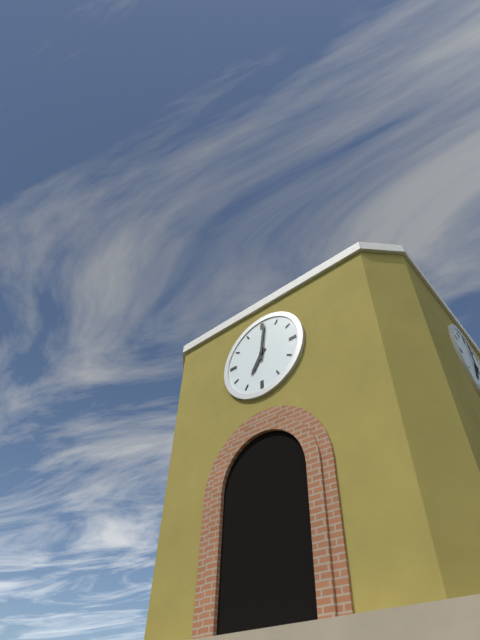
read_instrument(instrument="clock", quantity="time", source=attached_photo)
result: 7:01
